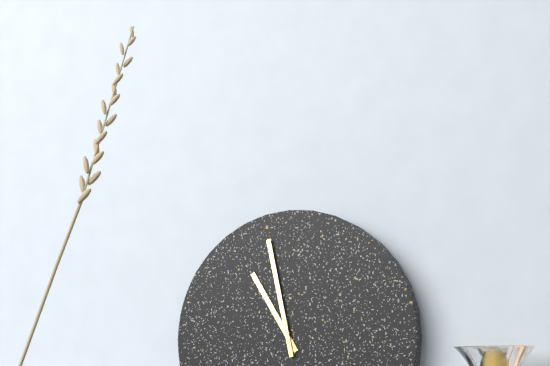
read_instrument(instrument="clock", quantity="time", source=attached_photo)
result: 10:58
